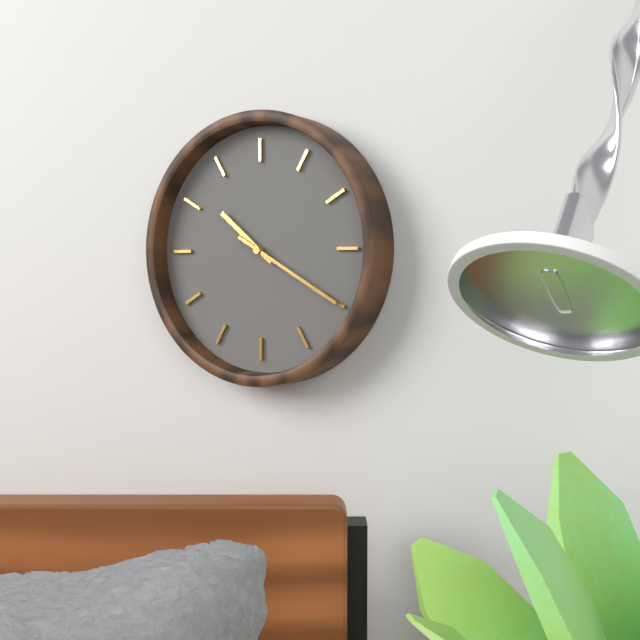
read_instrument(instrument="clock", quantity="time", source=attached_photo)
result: 10:20
